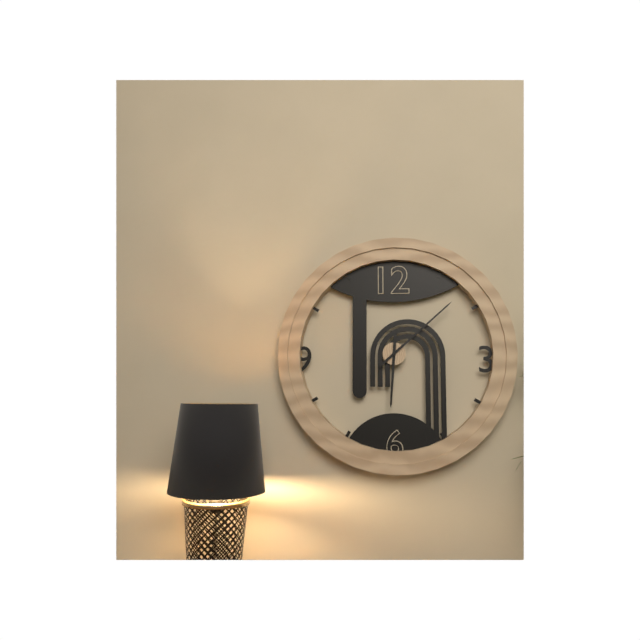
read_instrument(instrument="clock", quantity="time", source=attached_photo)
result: 6:08
